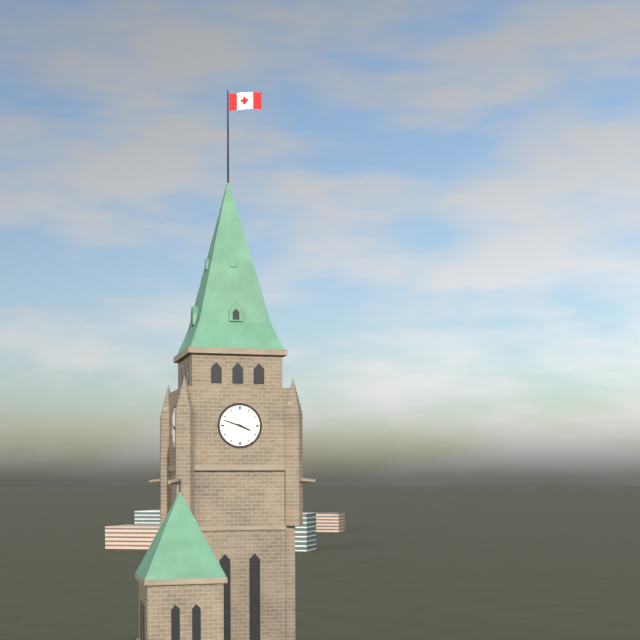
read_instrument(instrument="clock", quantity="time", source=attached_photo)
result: 3:48
